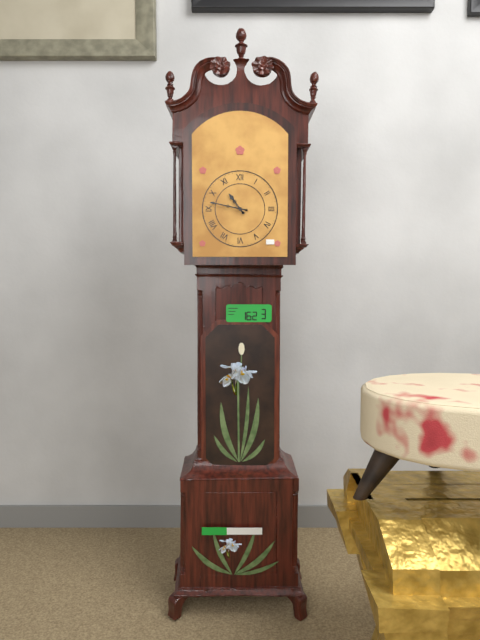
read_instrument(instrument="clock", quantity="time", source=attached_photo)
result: 10:47
